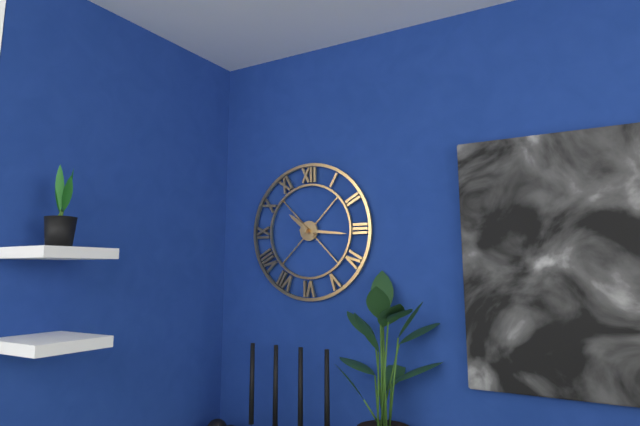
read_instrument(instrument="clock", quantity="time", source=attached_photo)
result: 10:16
